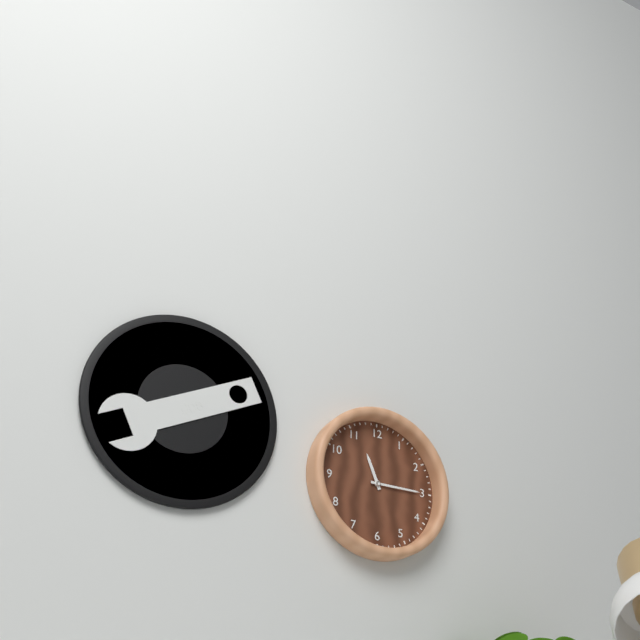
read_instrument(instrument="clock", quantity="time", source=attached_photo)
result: 11:15
